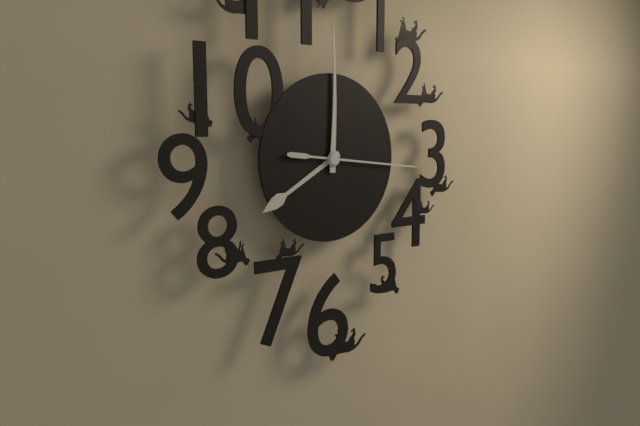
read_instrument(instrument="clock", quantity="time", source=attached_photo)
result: 8:00:16
